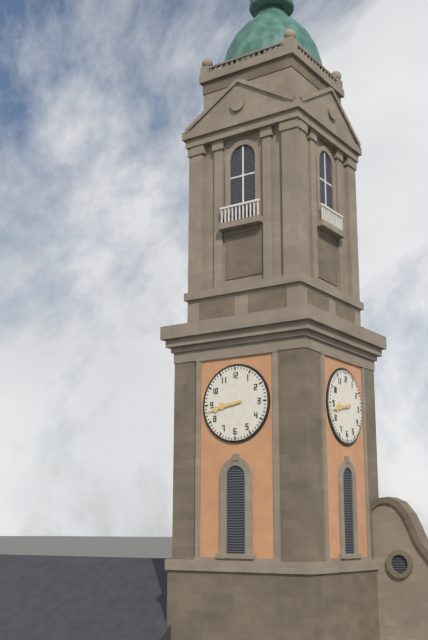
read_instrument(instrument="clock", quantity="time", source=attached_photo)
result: 8:43
